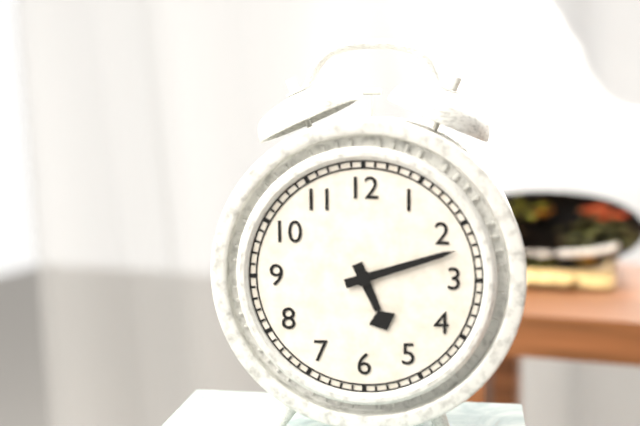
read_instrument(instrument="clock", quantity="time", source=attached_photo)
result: 5:12
